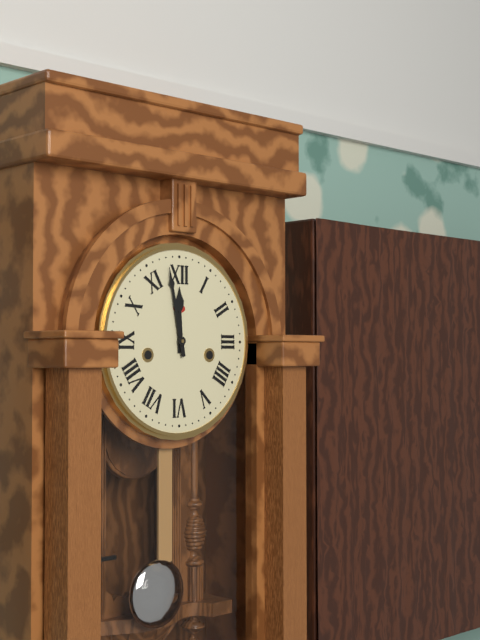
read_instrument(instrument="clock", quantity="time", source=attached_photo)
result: 11:58
